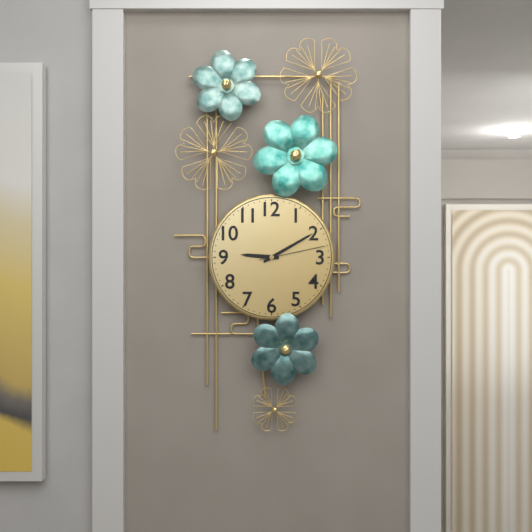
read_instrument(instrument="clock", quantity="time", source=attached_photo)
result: 9:10:13
